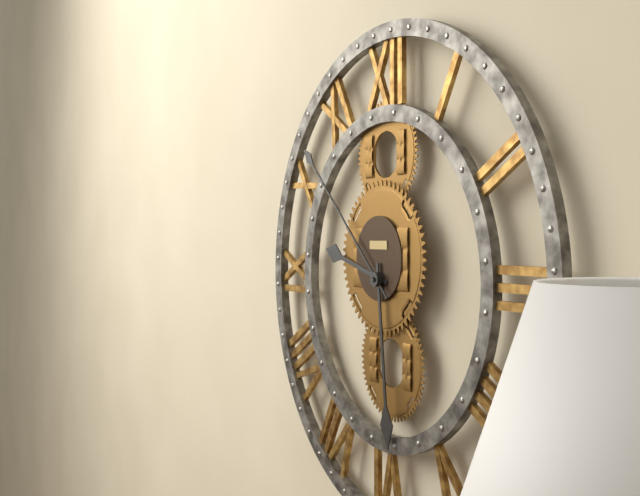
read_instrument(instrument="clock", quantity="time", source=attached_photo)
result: 9:29:52
